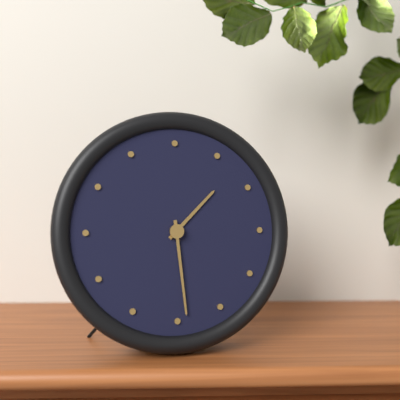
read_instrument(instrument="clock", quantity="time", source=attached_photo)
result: 1:29
